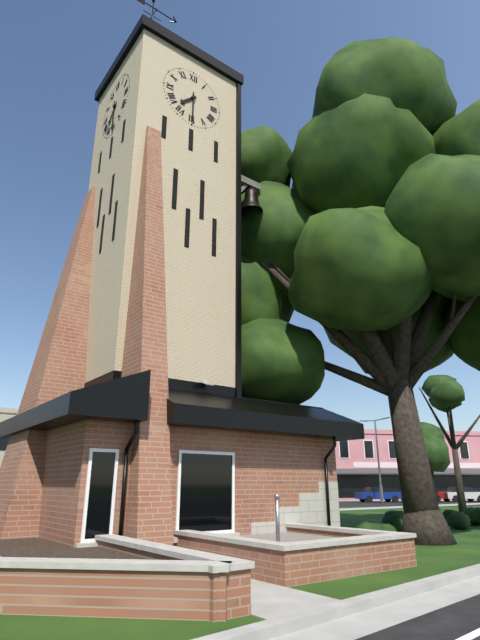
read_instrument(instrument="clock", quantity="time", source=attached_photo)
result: 7:30
